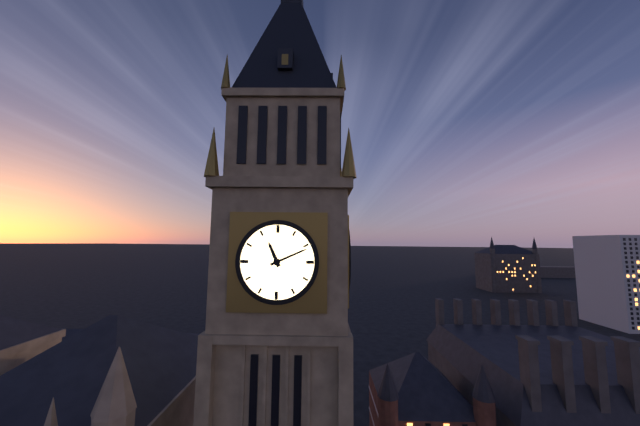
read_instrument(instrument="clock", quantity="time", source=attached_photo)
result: 11:11
